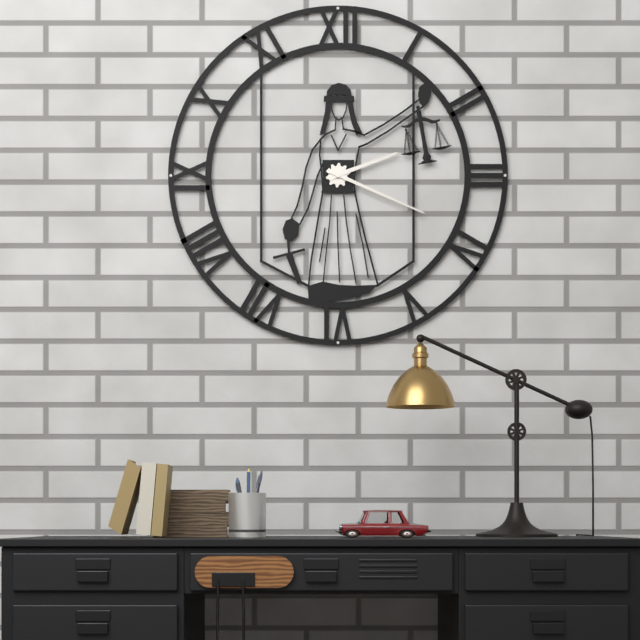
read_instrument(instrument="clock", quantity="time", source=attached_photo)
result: 2:19
